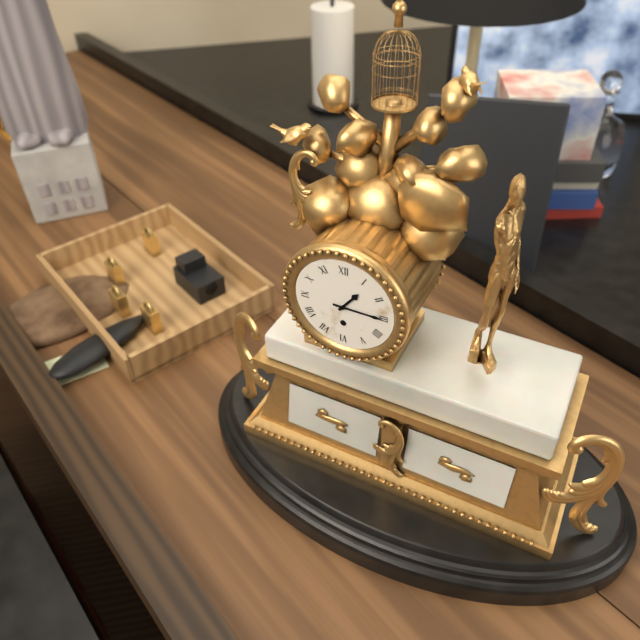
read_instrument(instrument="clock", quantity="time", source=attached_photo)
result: 1:15
